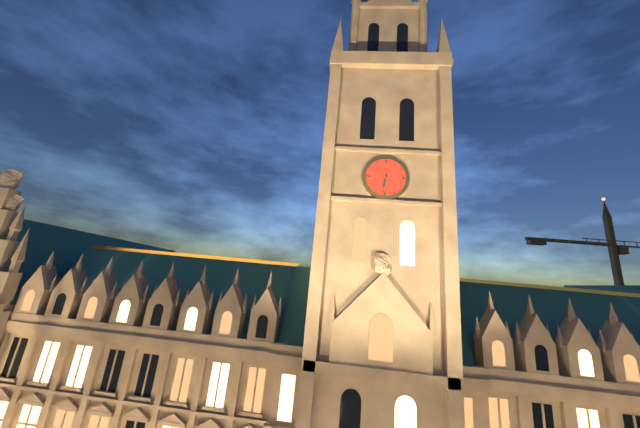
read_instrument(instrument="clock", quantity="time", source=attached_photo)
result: 6:31
